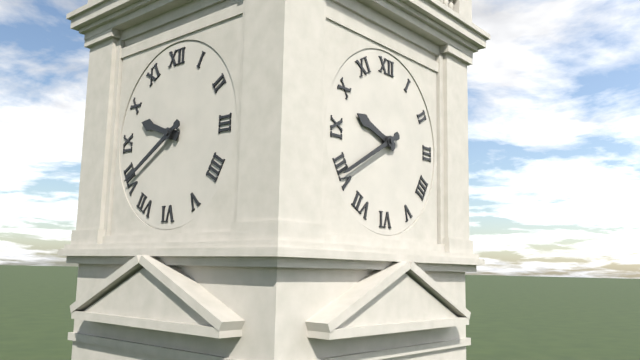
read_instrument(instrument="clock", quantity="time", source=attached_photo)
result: 9:40
